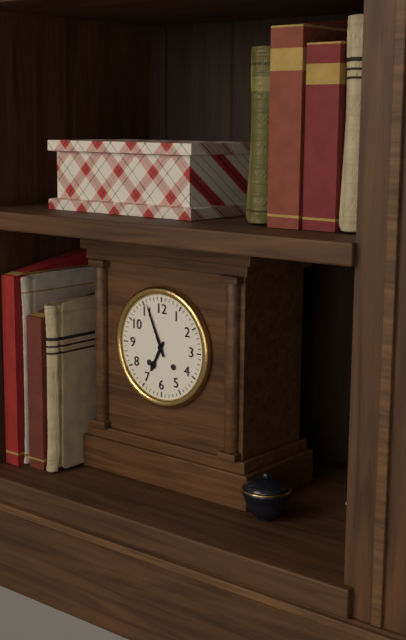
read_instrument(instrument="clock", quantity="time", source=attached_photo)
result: 6:56
